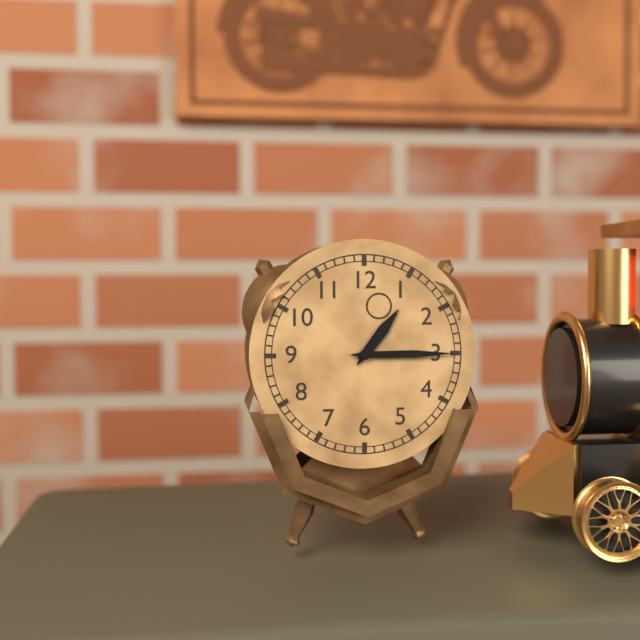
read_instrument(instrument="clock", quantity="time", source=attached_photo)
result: 1:15
